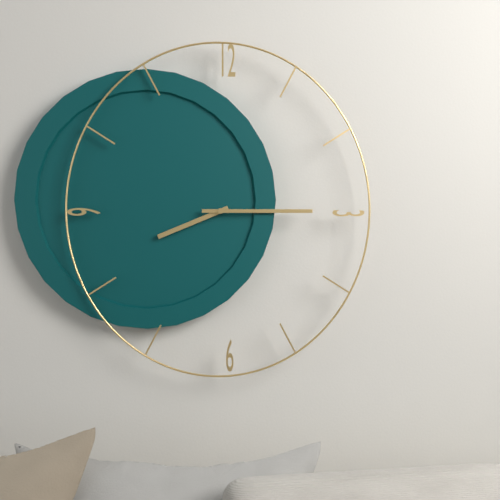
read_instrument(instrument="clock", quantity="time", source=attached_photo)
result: 8:15
